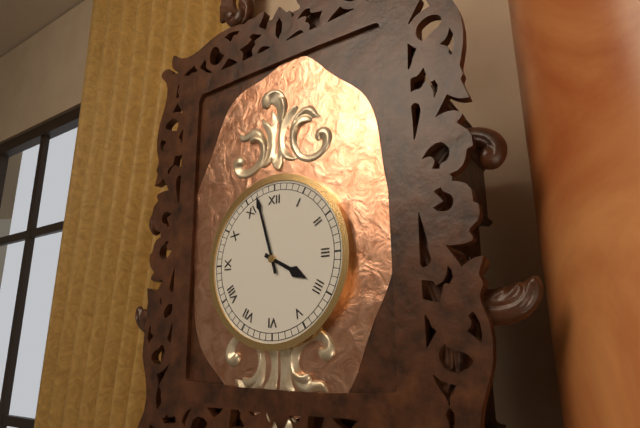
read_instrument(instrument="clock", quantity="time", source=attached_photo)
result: 3:57
